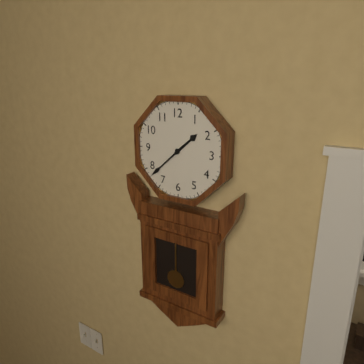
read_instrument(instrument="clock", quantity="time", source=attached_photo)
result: 1:38
